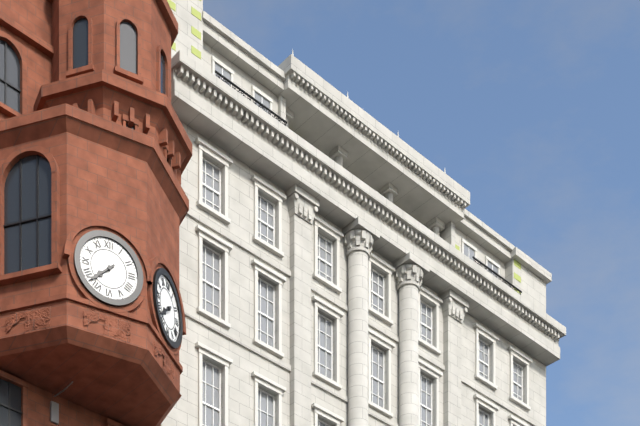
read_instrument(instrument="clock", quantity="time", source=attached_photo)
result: 7:38
